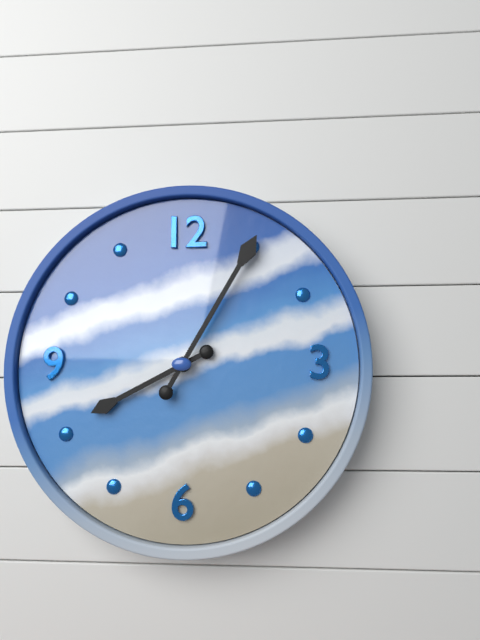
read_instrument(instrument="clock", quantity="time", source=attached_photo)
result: 8:05
